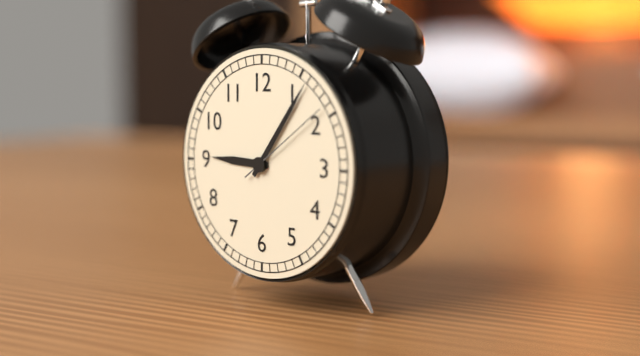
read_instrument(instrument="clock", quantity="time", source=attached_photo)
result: 9:06:09
